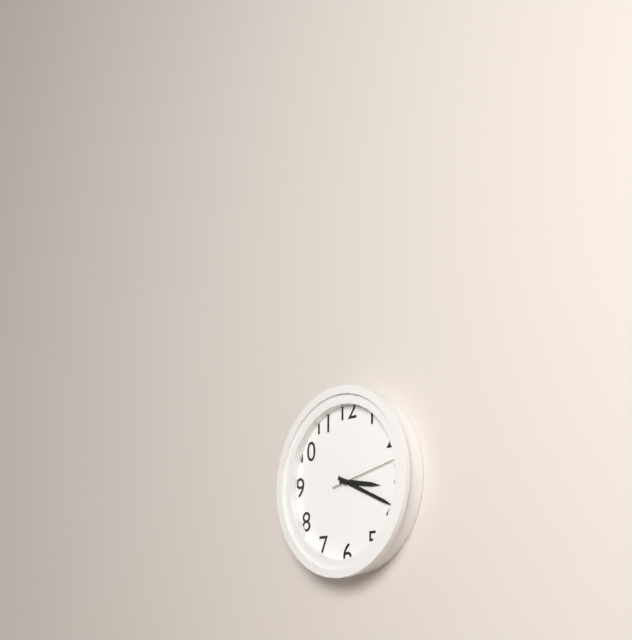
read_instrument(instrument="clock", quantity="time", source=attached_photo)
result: 3:19:13
